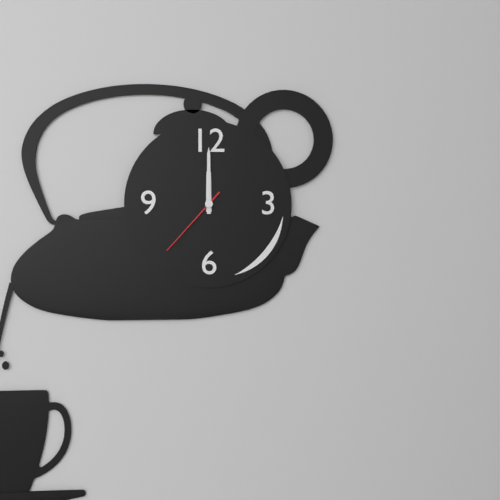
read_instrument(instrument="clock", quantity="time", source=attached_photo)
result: 12:00:37
